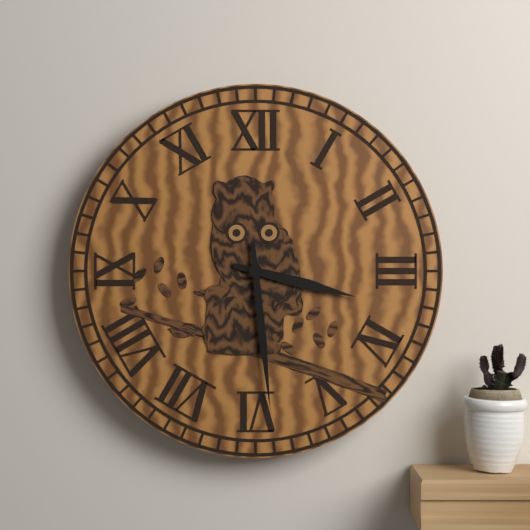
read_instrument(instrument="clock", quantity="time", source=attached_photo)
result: 3:29
